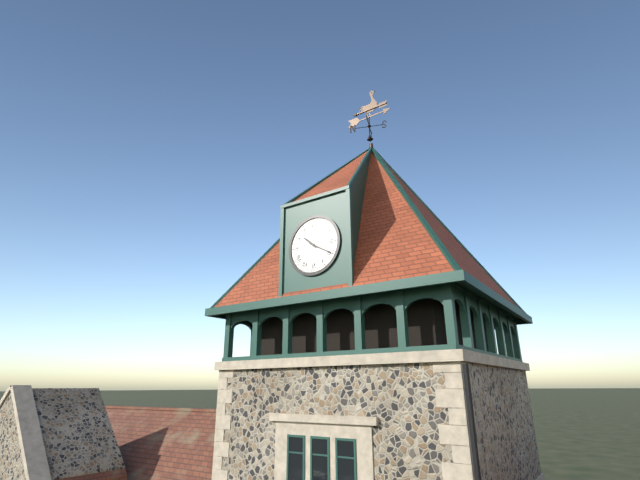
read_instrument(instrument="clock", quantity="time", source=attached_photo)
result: 10:20
